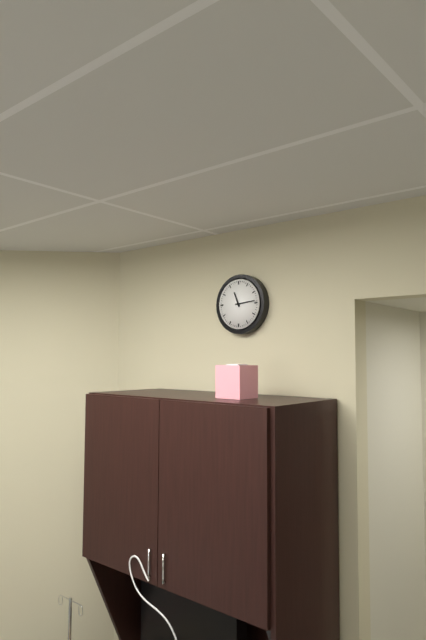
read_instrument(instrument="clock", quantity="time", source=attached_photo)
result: 11:14
